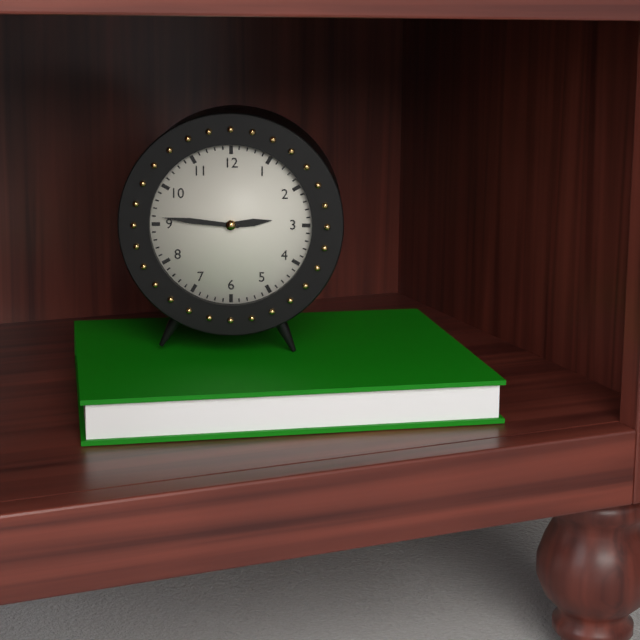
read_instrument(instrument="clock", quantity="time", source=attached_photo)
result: 2:46
